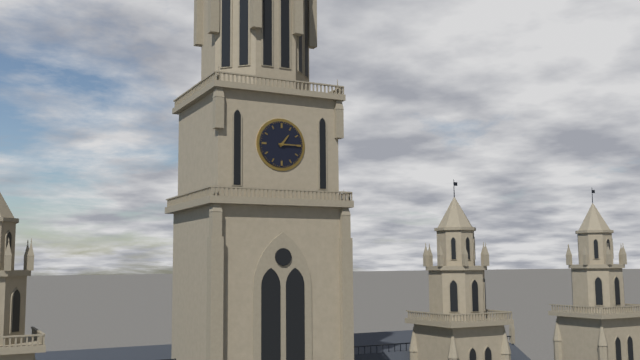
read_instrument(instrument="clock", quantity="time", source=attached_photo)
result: 1:15
